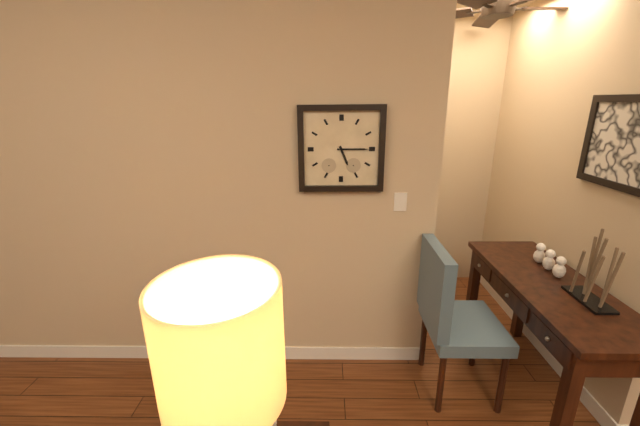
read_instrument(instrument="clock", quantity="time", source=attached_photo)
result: 5:15
